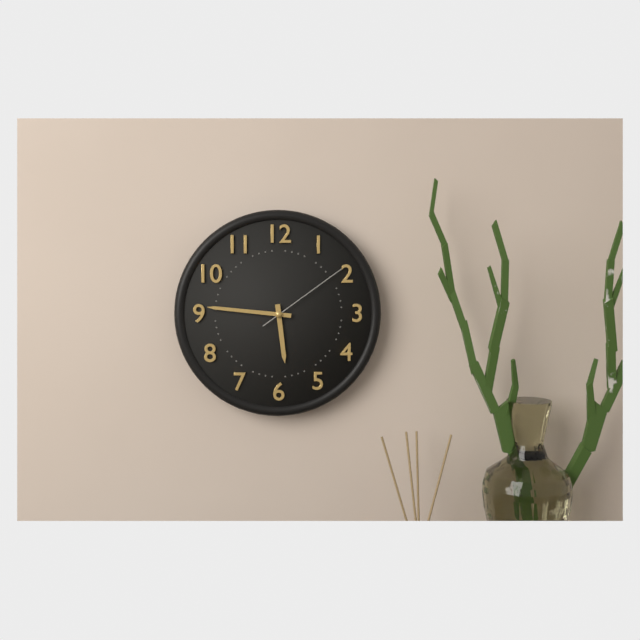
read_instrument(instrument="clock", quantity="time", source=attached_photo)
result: 5:46:09
